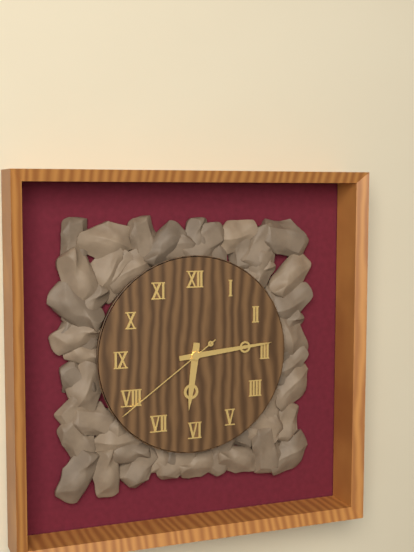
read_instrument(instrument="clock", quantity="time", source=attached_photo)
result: 6:14:39
